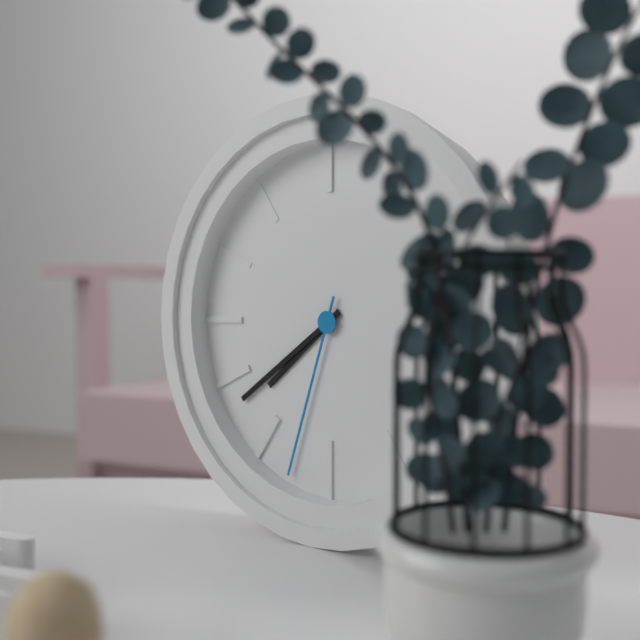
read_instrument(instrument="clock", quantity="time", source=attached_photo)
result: 7:39:33
